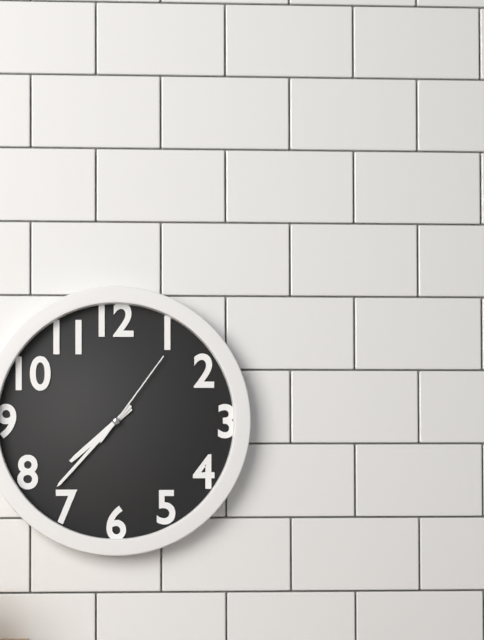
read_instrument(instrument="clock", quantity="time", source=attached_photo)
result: 7:37:06
